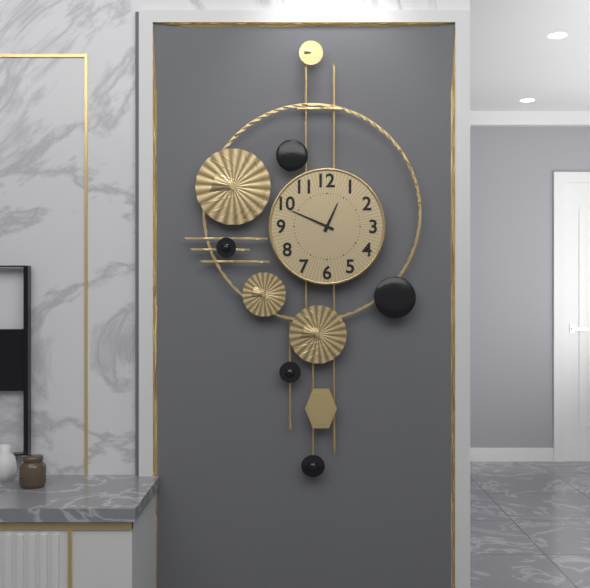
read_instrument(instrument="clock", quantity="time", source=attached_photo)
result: 12:49
